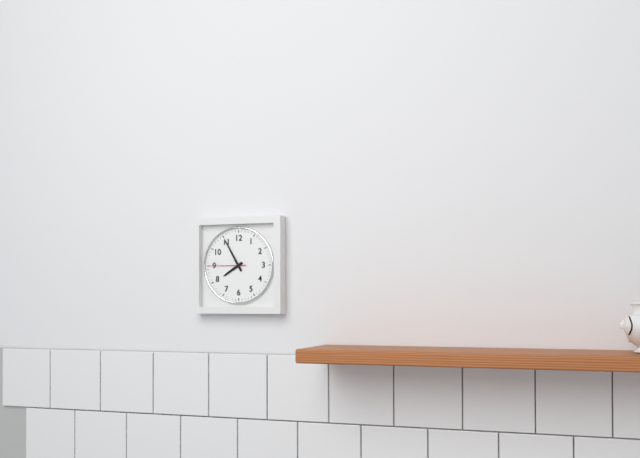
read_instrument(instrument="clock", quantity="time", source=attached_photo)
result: 7:55
